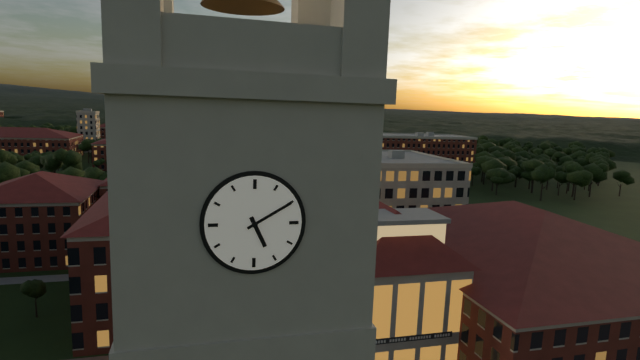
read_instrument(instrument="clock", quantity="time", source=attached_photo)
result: 5:10
